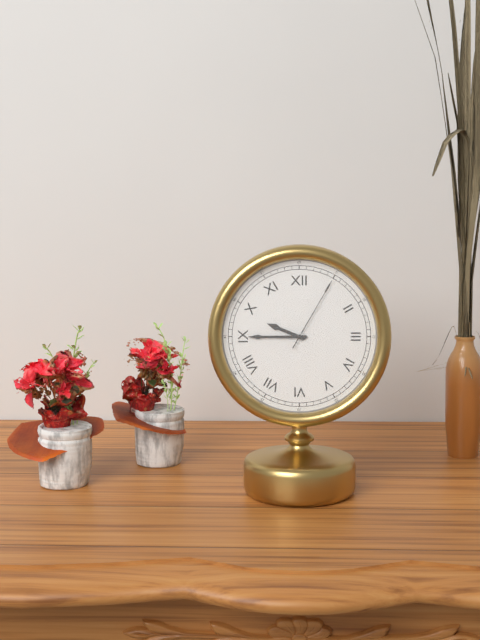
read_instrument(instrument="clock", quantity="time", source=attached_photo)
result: 9:45:05
